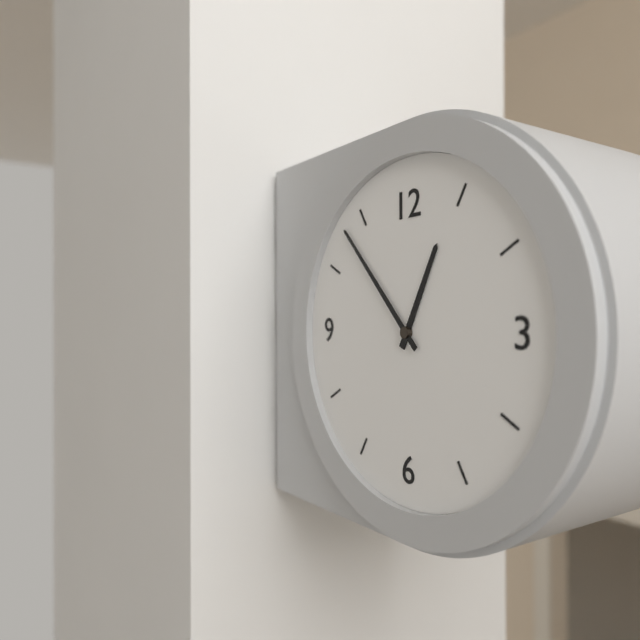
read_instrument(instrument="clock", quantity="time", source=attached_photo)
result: 12:53
